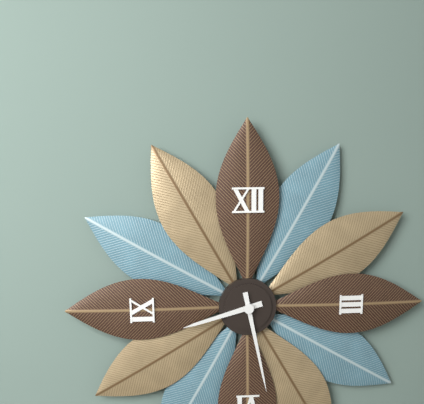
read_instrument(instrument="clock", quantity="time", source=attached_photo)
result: 8:28
